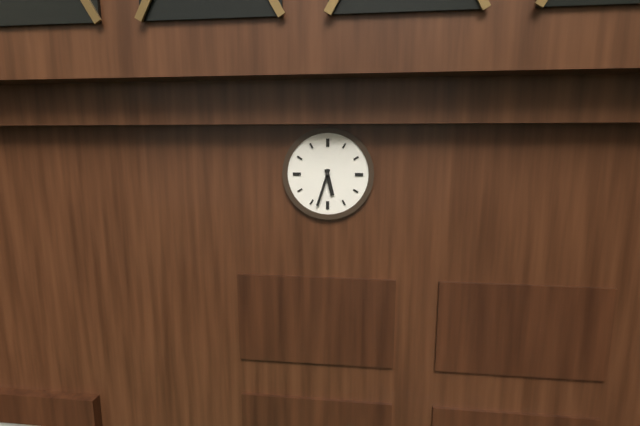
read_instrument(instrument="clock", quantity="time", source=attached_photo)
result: 5:33
